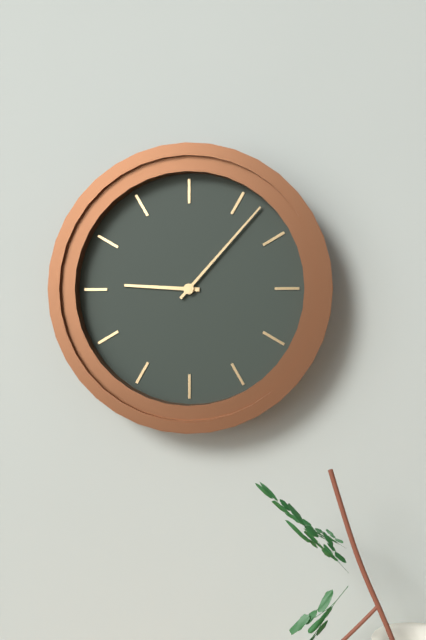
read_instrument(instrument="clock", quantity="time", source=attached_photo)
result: 9:07
